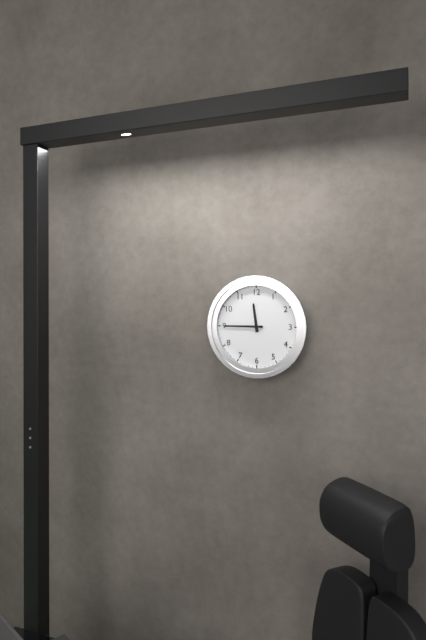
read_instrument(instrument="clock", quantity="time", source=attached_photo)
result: 11:45
